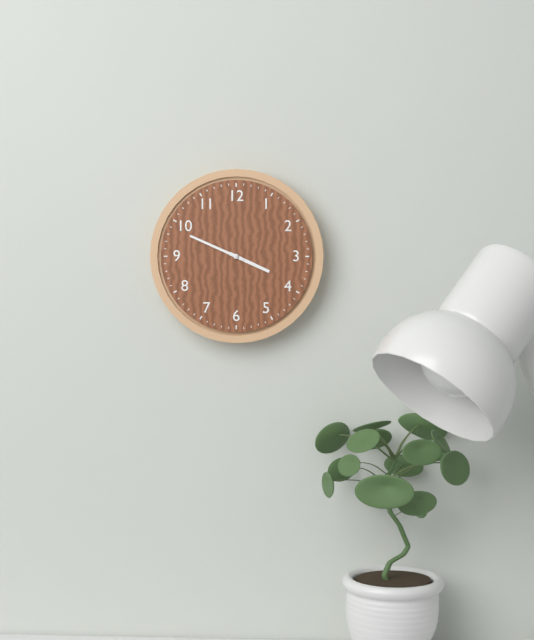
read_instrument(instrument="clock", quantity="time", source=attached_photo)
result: 3:49
